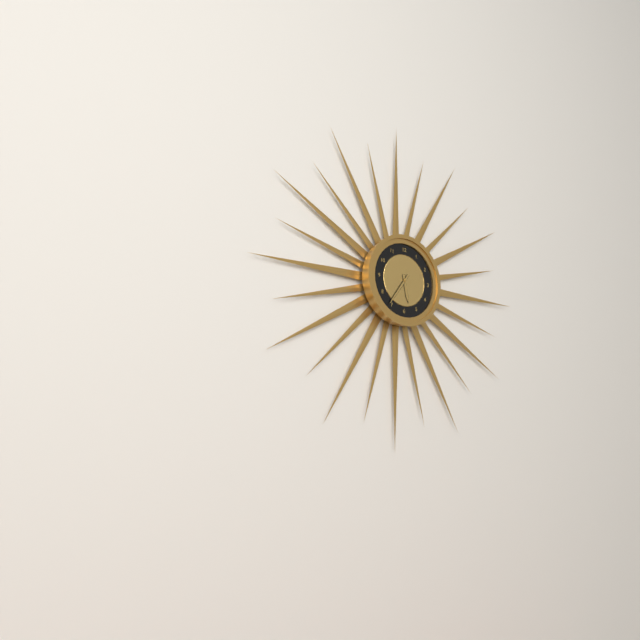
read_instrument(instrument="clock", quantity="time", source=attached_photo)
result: 5:36
